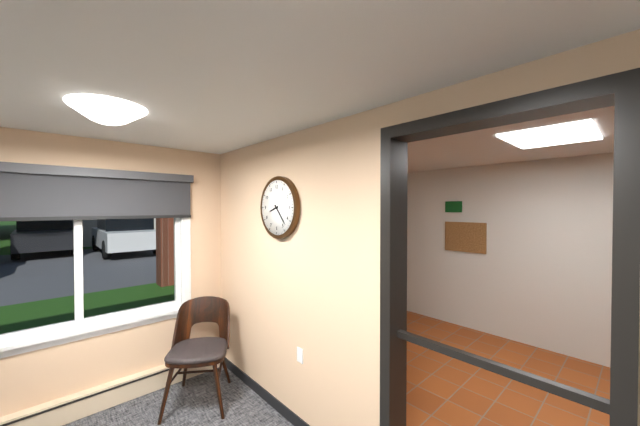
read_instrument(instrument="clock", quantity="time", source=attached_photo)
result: 8:23
